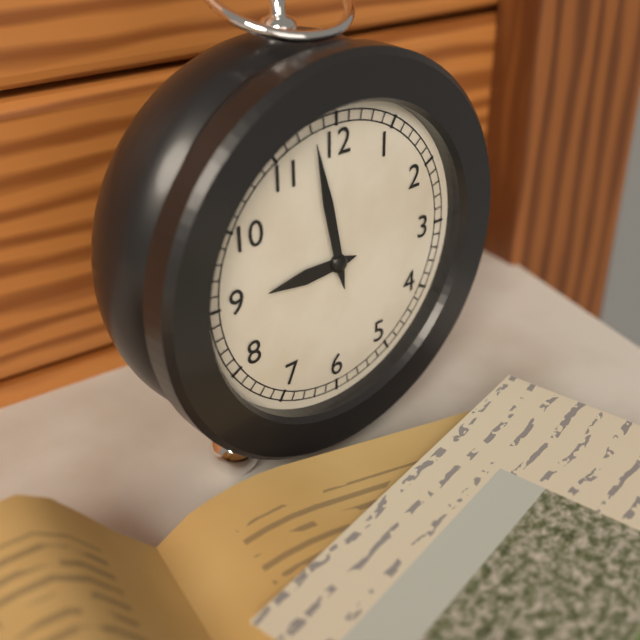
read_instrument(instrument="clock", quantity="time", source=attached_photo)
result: 8:58
